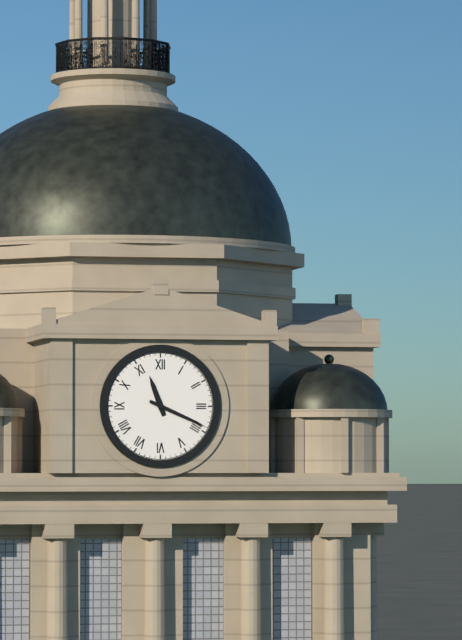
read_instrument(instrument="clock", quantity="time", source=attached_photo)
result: 11:19
